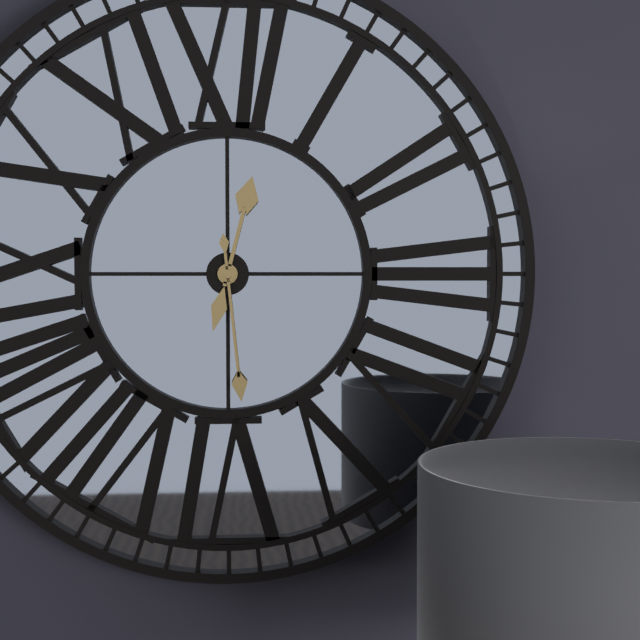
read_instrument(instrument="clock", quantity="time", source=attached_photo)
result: 12:29
